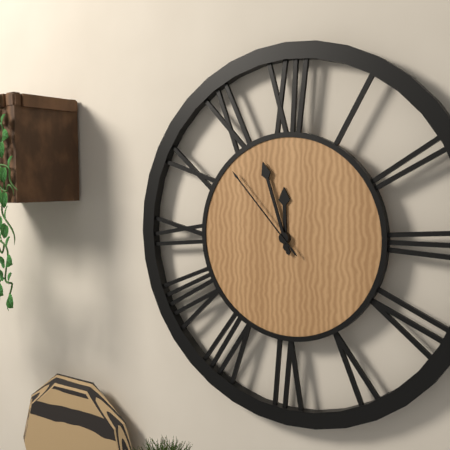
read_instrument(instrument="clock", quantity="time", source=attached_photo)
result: 11:57:53
